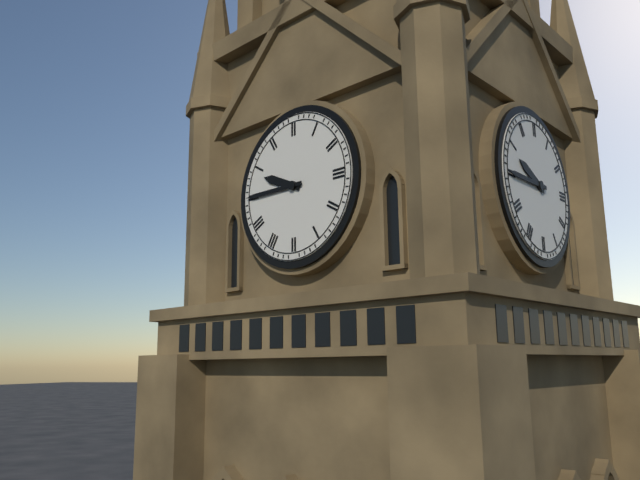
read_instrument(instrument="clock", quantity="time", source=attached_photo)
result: 9:45
